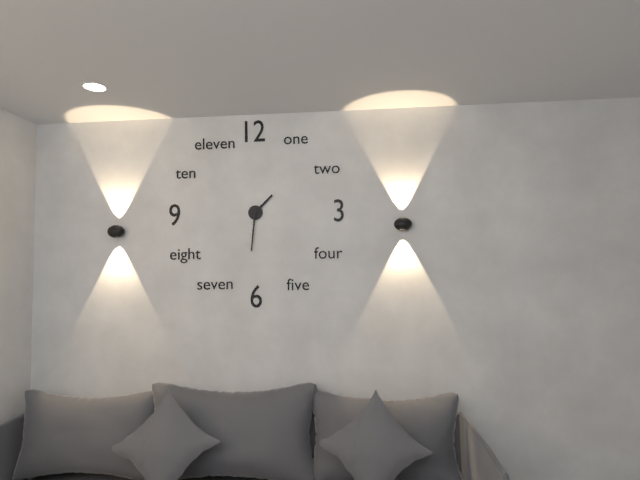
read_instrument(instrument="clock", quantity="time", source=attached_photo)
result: 1:31
